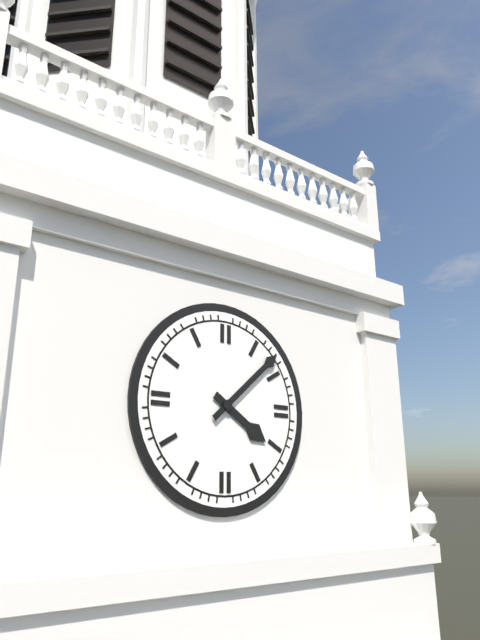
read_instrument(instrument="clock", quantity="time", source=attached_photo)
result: 4:08
